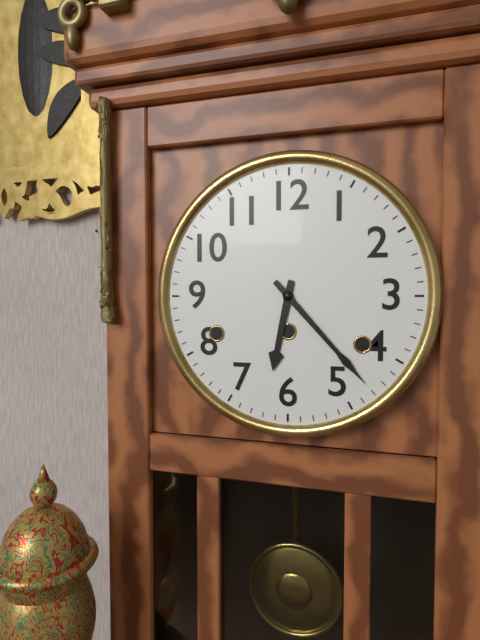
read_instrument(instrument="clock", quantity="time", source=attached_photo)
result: 6:23
